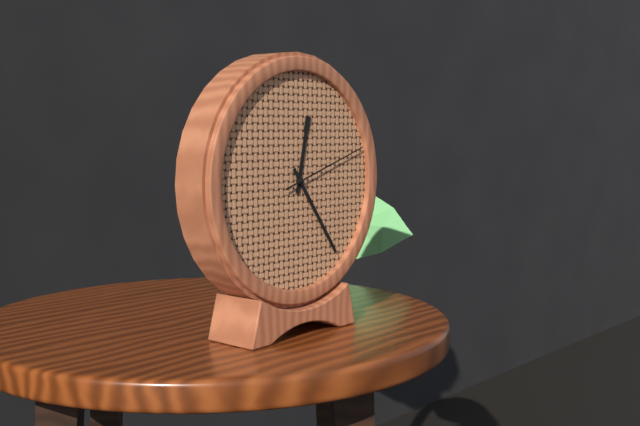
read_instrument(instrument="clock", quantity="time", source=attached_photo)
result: 12:24:12
